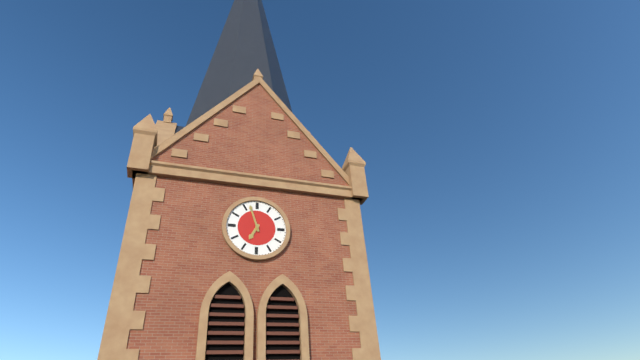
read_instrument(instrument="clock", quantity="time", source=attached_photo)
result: 6:57
